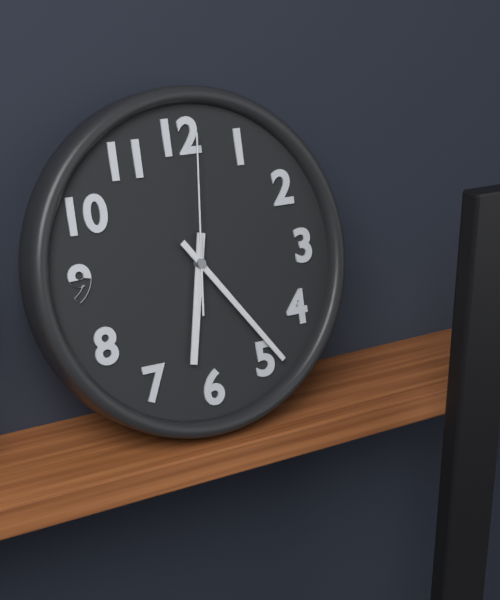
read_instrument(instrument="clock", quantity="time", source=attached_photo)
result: 6:24:01
